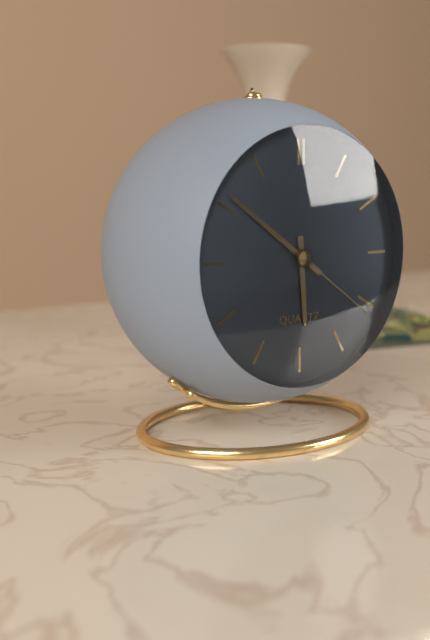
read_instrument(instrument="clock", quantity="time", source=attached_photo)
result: 5:51:21
